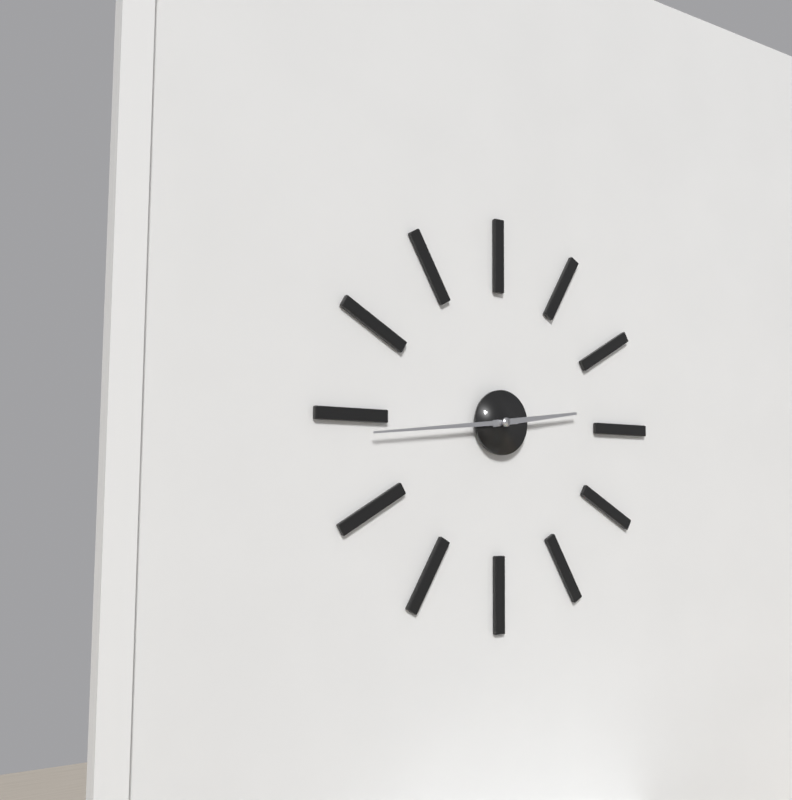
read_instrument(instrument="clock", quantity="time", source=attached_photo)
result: 2:44
